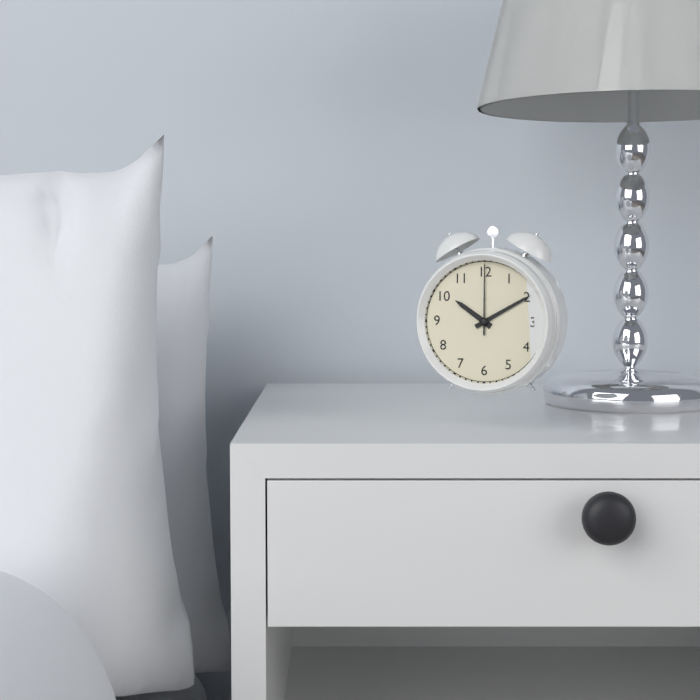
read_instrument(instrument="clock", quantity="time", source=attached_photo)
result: 10:10:00
